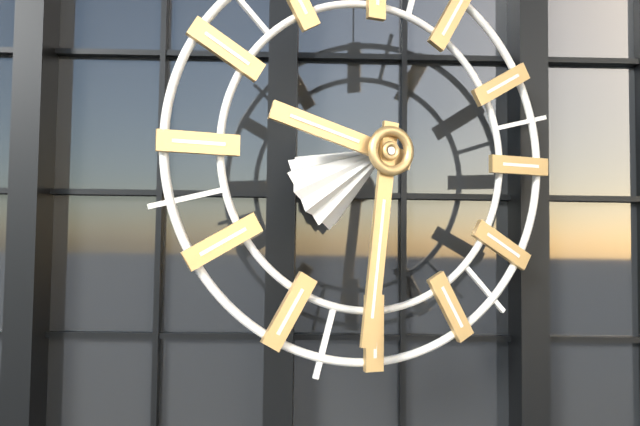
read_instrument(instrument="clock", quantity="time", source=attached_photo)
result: 9:31
